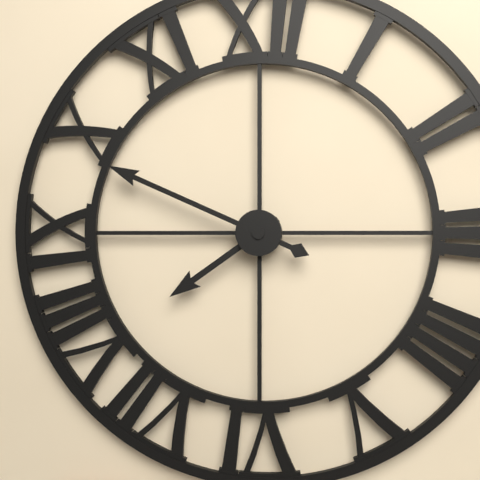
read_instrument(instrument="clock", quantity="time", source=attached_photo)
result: 7:49
